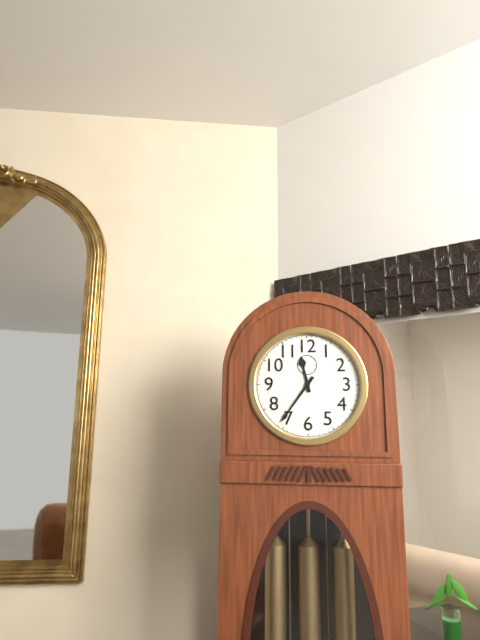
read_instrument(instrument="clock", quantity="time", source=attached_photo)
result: 11:36
